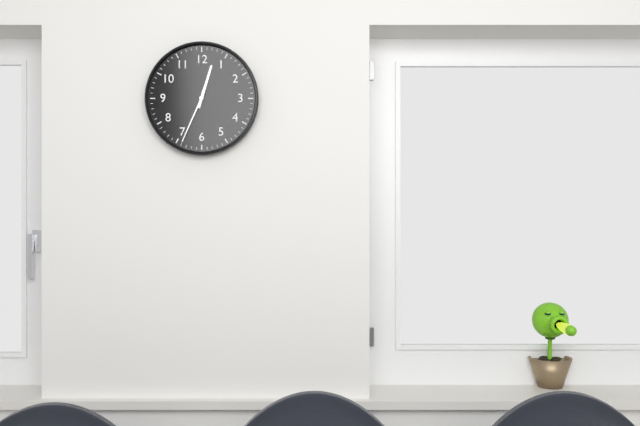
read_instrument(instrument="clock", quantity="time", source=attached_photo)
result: 12:34
